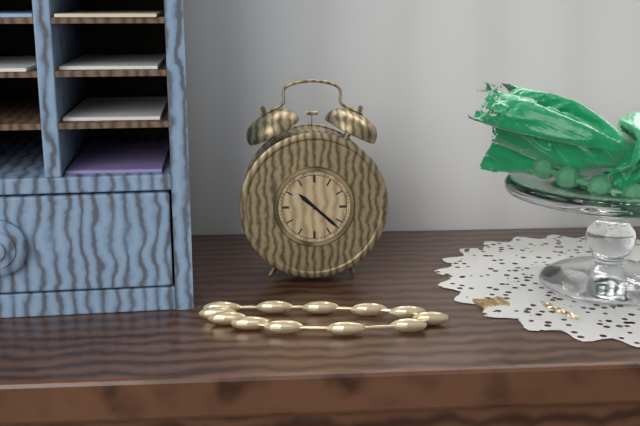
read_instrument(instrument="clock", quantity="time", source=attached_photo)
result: 10:22
